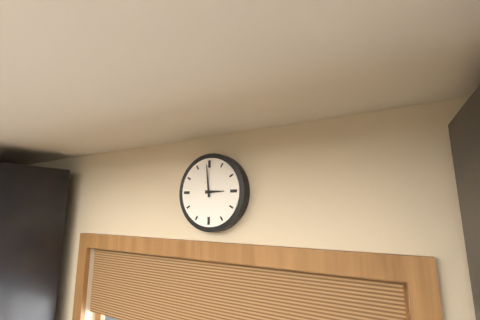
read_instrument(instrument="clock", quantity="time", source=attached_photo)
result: 2:59
